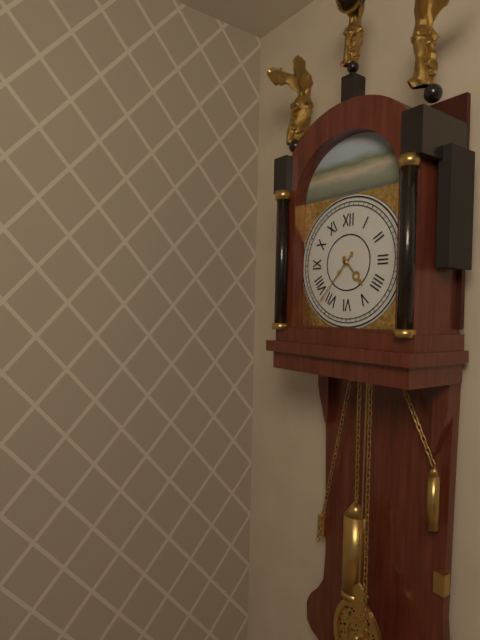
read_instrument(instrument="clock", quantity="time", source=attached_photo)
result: 4:37
